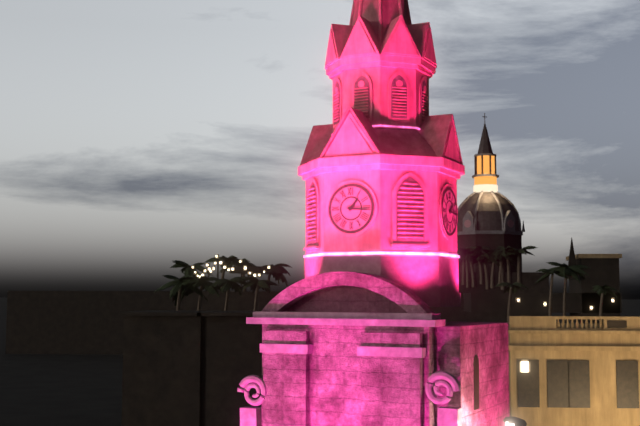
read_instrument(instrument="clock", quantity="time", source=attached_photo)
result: 1:16
